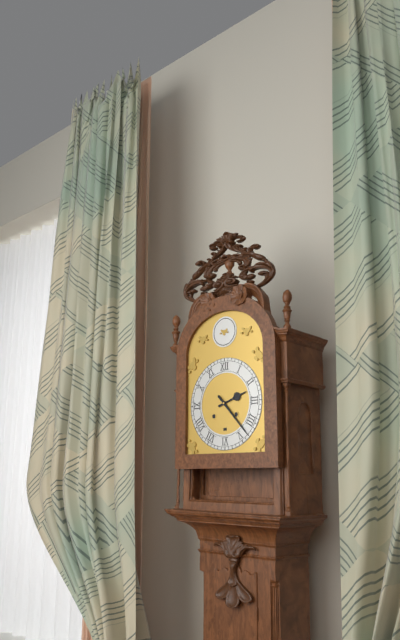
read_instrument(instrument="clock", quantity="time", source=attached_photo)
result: 2:23
